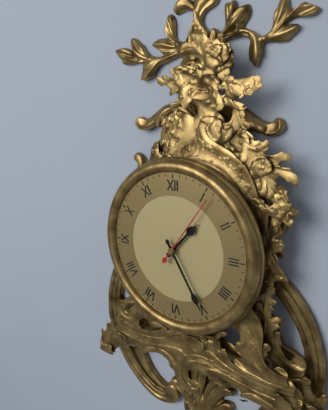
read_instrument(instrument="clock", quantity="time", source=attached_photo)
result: 1:25
